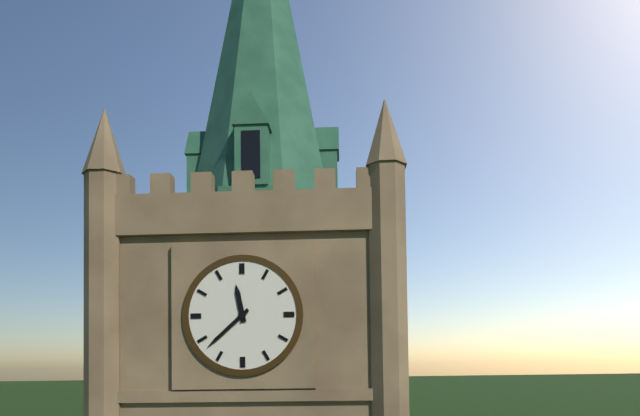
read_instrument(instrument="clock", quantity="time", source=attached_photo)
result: 11:38
